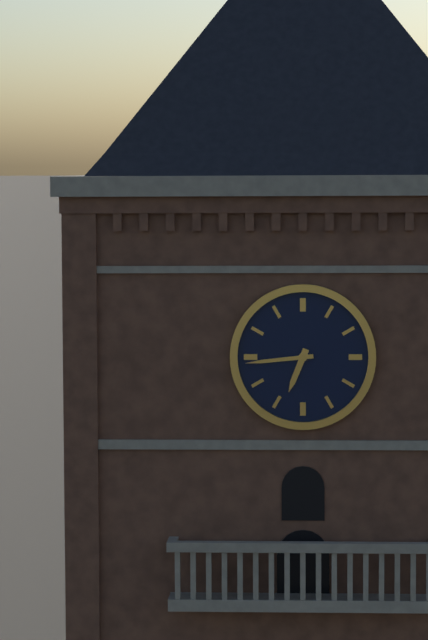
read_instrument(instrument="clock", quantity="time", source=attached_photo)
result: 6:44
